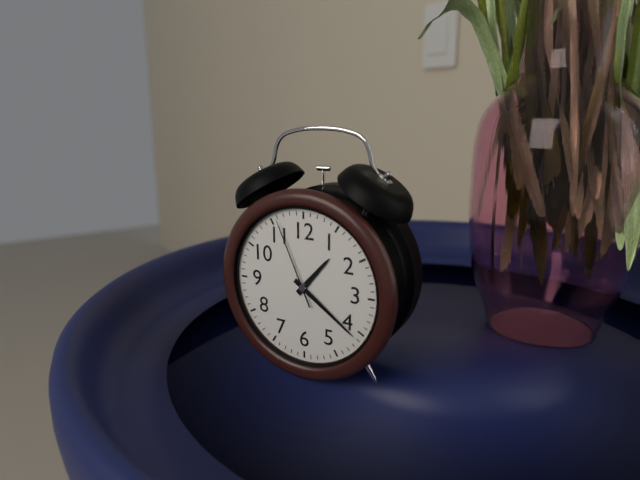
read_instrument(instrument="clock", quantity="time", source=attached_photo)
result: 1:21:56
